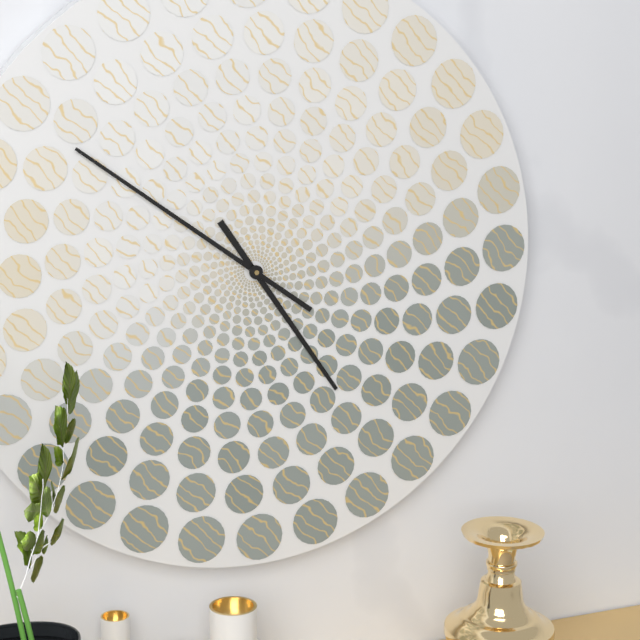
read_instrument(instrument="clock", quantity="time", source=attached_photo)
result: 4:51
